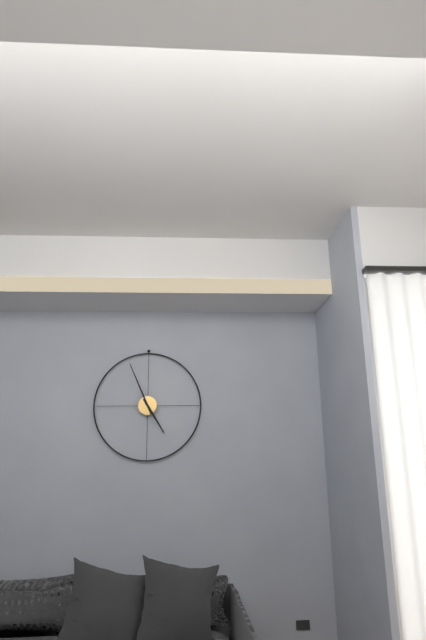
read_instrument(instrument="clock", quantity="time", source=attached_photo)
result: 4:56
